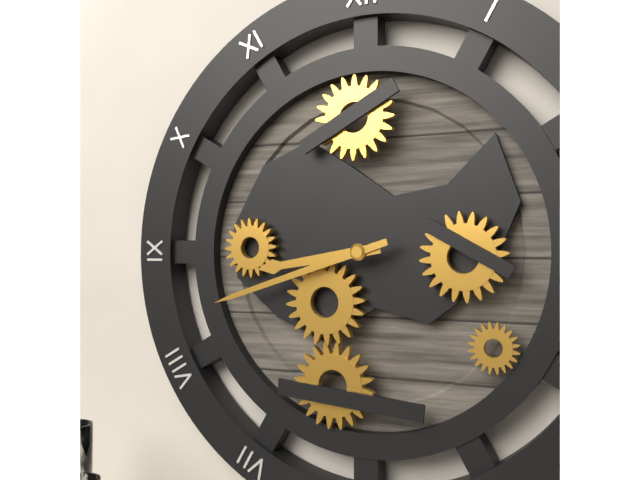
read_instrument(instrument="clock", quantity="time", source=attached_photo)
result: 8:42
